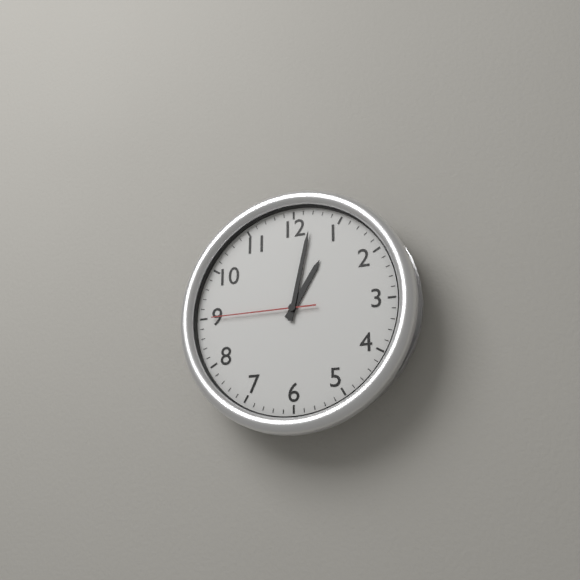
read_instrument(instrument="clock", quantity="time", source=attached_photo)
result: 1:02:45
